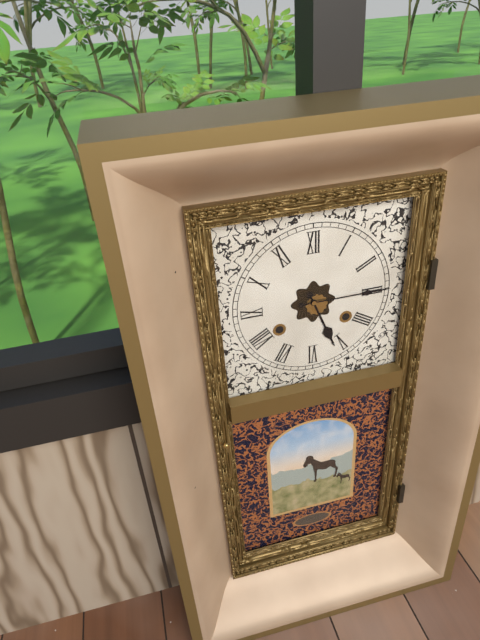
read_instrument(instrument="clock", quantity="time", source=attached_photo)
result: 5:15
